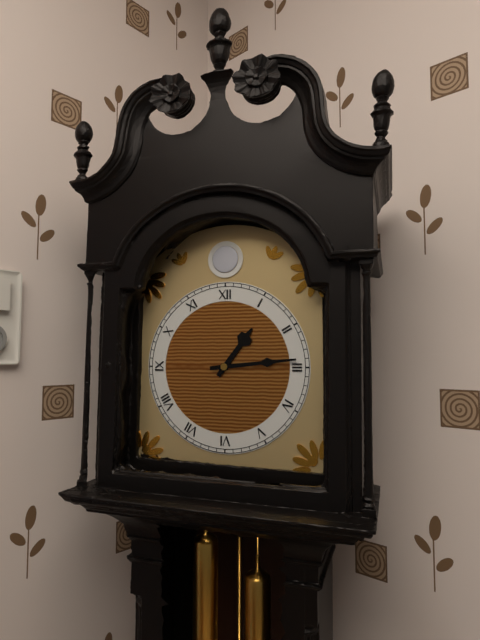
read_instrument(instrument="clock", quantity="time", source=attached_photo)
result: 1:14
